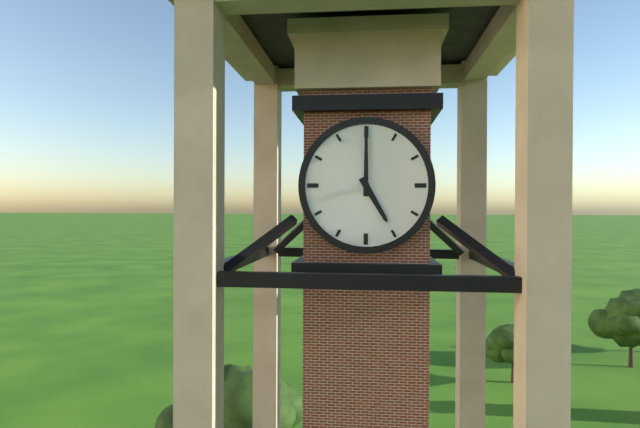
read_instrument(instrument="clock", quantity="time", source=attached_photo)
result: 5:00
